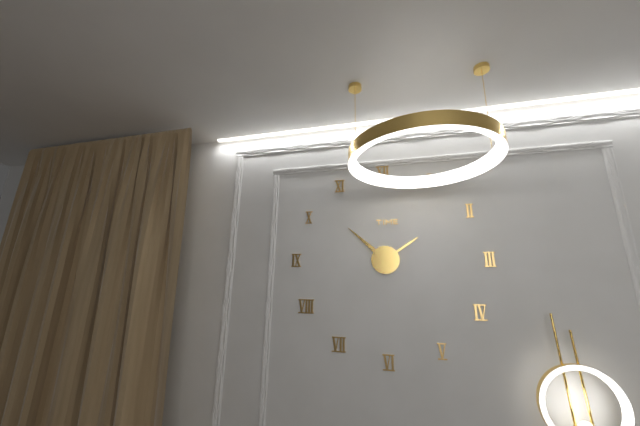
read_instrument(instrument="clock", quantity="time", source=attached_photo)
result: 1:52
